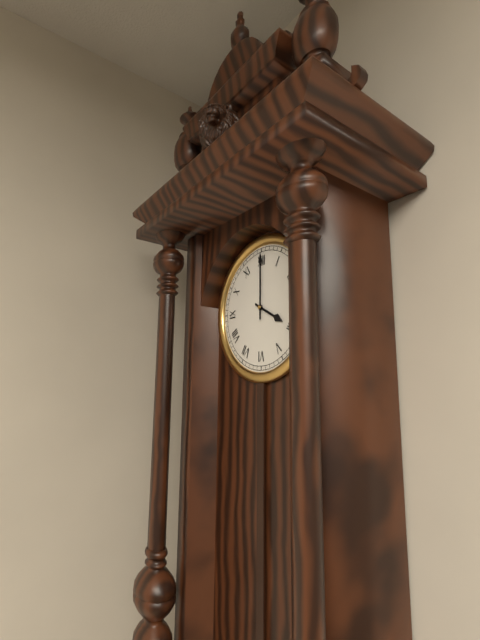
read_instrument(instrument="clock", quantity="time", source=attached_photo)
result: 4:00
